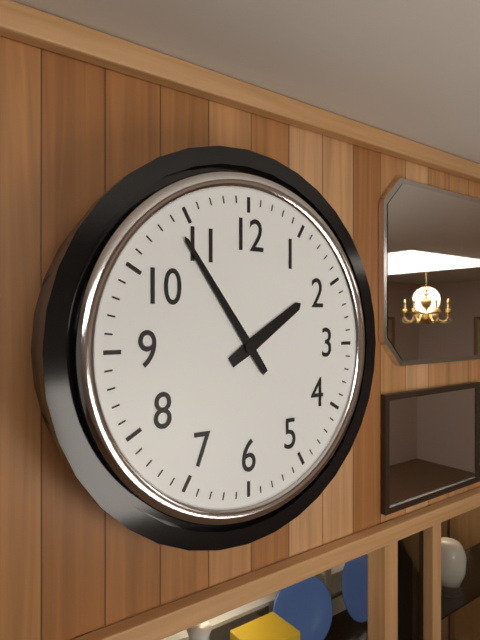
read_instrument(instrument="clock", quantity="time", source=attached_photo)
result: 1:54
